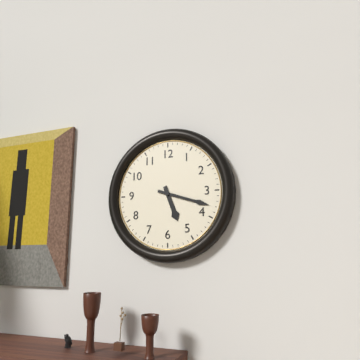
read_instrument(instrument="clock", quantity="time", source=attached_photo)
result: 5:18
